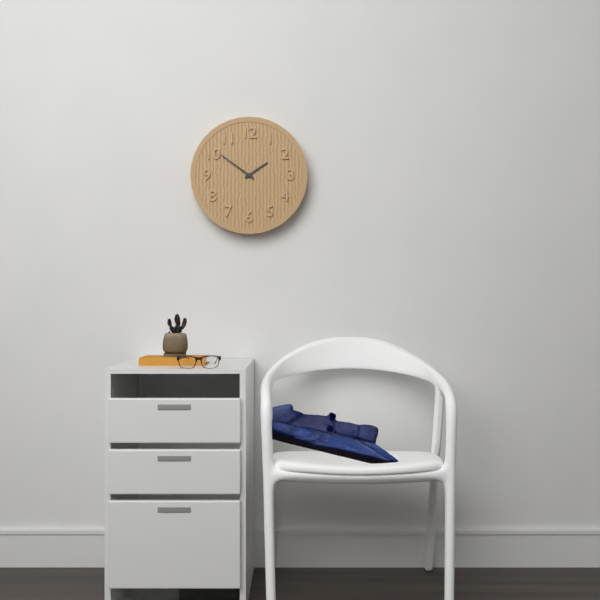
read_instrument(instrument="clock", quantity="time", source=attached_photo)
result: 1:51
